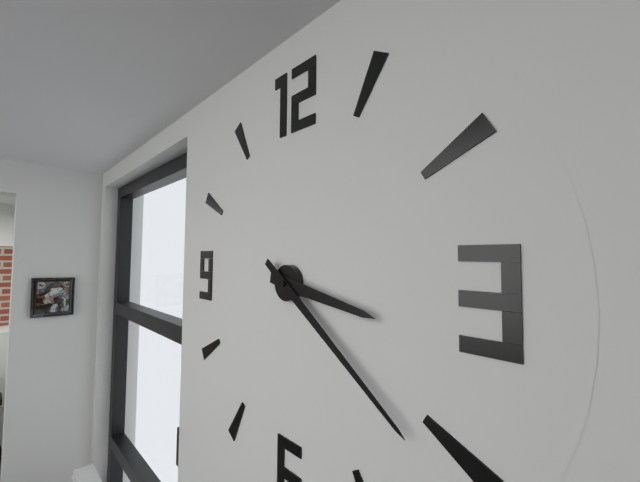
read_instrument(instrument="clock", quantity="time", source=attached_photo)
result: 3:21
